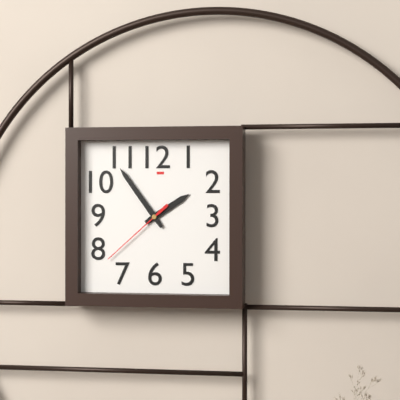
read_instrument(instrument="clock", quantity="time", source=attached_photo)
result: 1:54:38
